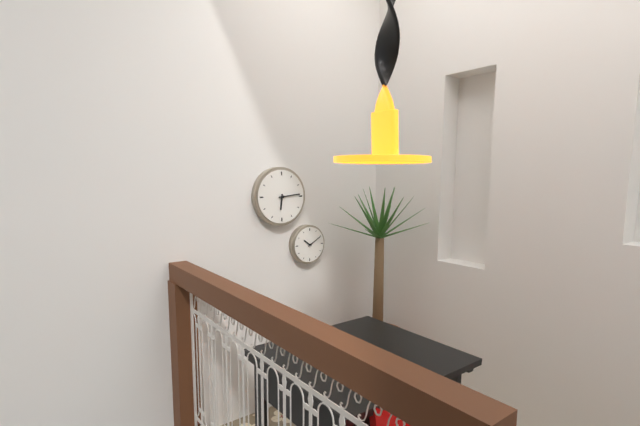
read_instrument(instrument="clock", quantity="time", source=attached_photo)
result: 6:14
